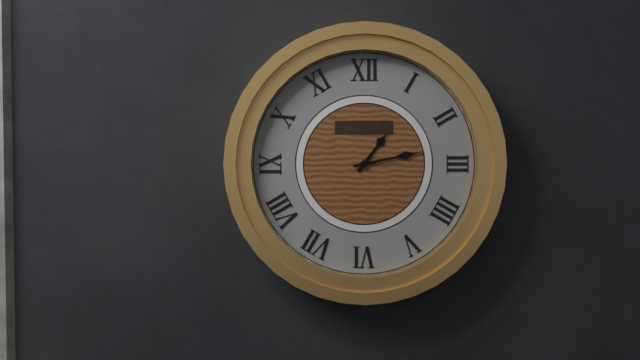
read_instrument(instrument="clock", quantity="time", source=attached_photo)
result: 1:13
